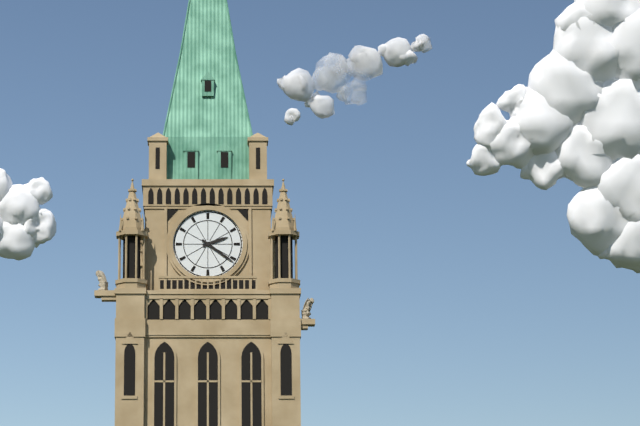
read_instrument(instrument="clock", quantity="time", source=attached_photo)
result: 2:21
